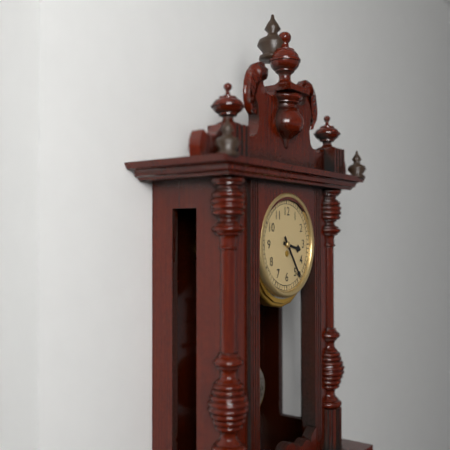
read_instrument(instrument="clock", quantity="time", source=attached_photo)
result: 3:24
